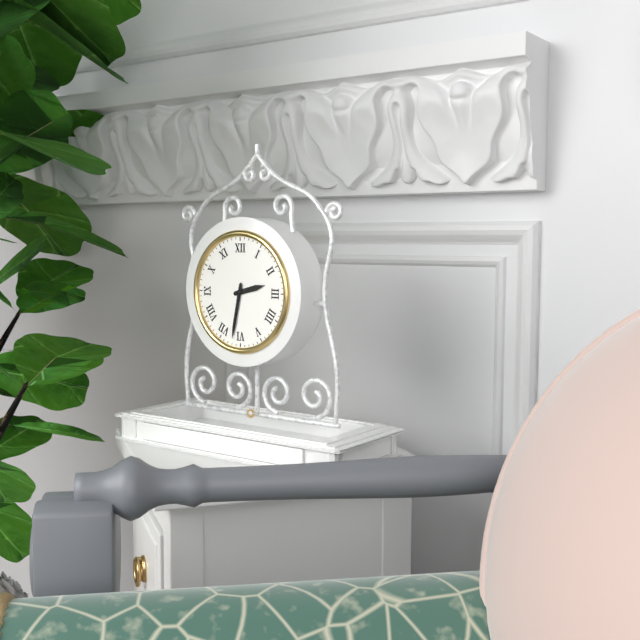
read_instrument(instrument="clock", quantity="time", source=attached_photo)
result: 2:32
